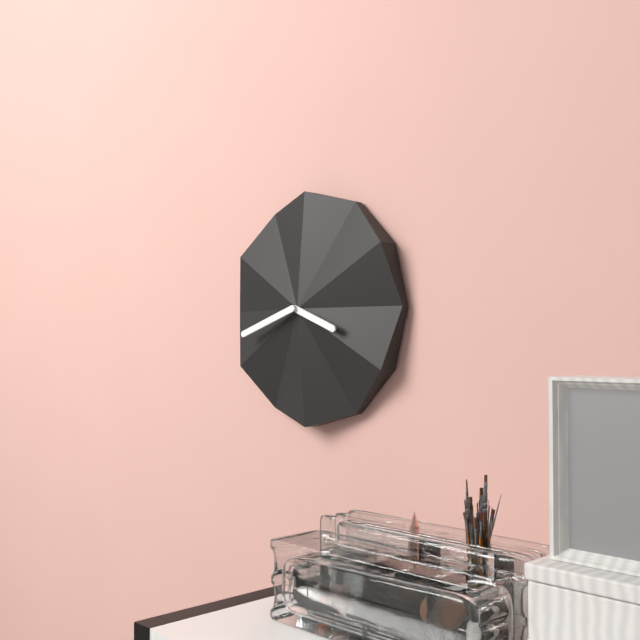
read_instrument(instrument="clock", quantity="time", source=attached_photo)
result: 3:42
